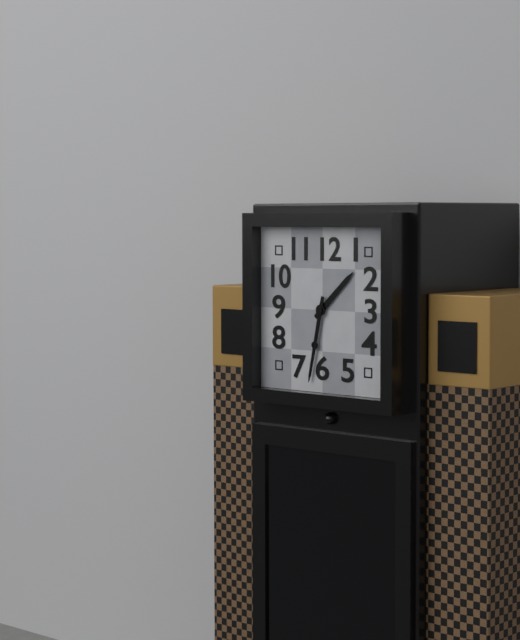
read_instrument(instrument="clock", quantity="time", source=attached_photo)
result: 1:32
